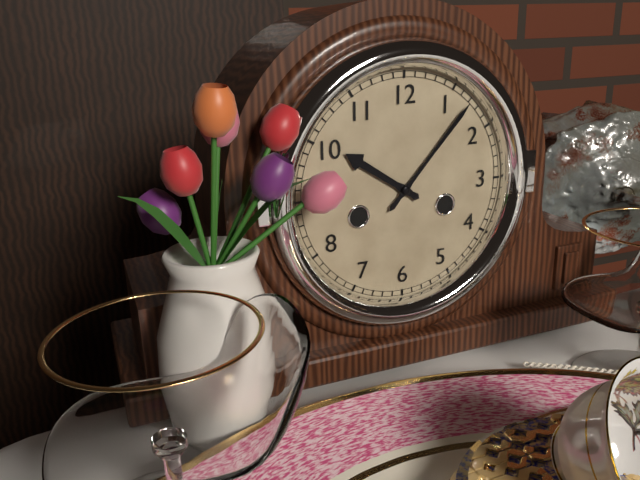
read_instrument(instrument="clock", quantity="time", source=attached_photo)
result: 10:07
